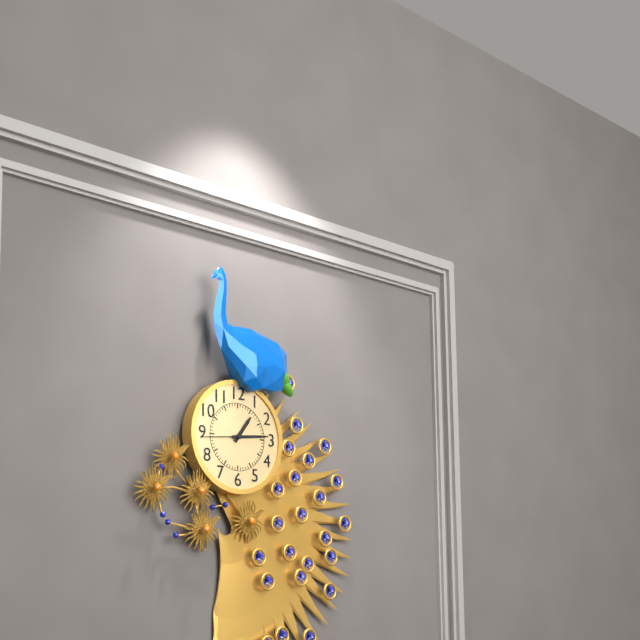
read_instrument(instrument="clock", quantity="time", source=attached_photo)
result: 1:14
